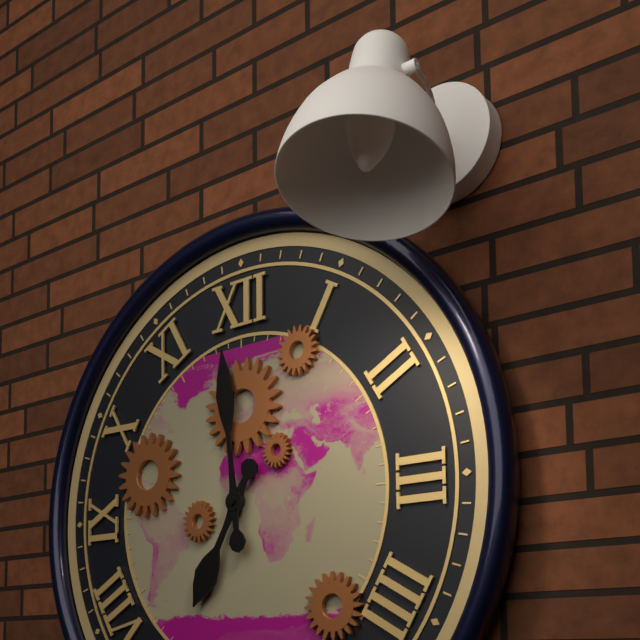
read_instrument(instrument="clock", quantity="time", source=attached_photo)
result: 6:59
